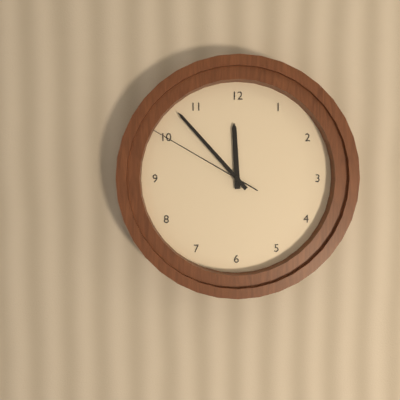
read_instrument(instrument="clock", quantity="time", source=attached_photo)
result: 11:53:50
